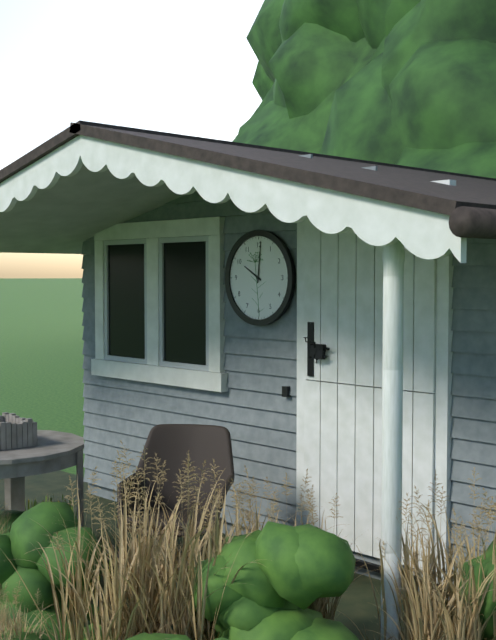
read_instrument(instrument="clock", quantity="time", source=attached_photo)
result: 10:01
